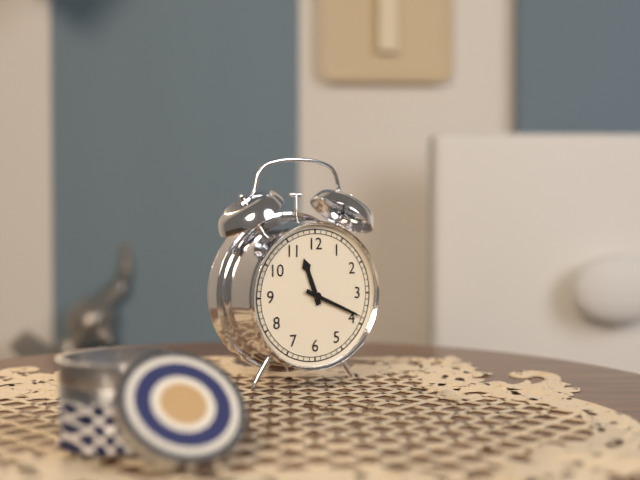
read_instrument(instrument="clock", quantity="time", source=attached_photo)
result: 11:19
